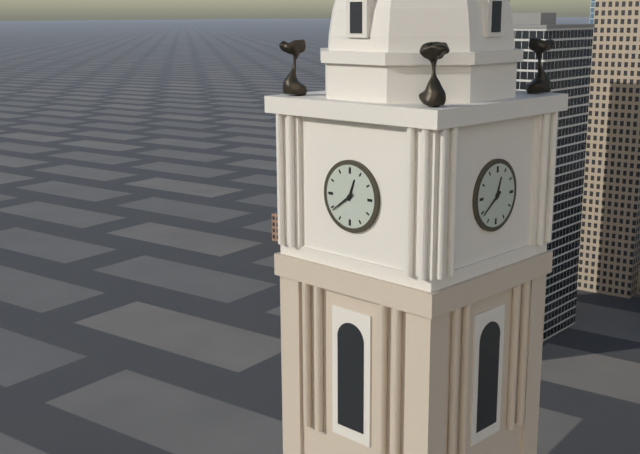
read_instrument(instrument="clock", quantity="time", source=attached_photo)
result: 12:39
